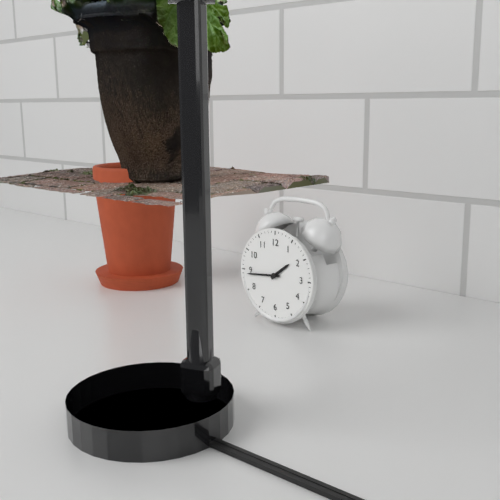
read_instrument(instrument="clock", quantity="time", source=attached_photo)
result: 1:44
